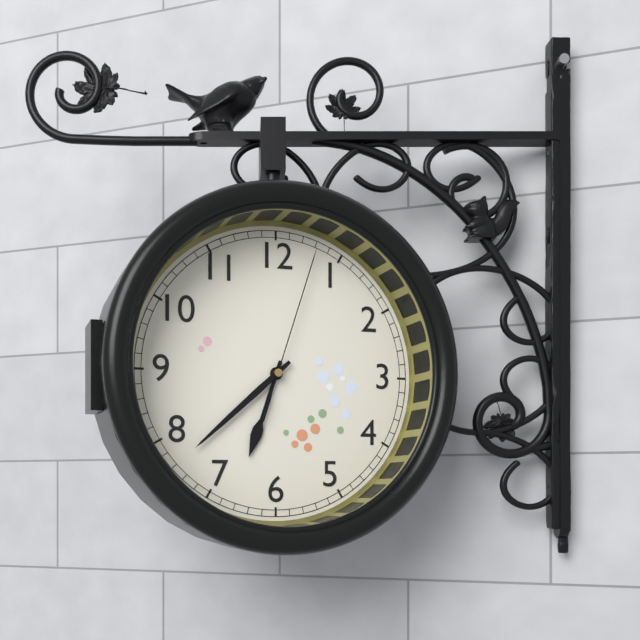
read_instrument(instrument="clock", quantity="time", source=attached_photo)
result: 6:38:03
